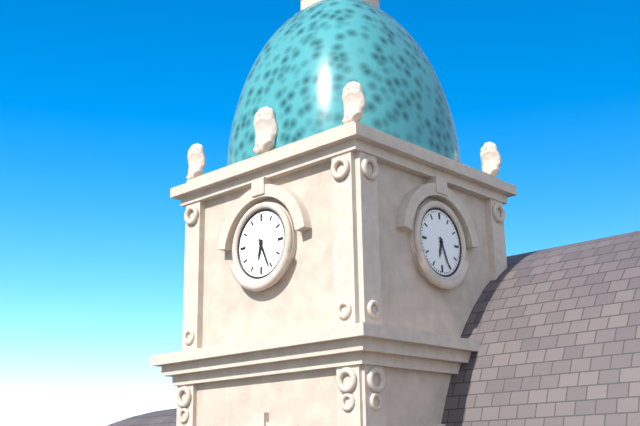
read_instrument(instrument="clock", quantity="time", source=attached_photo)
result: 6:26
